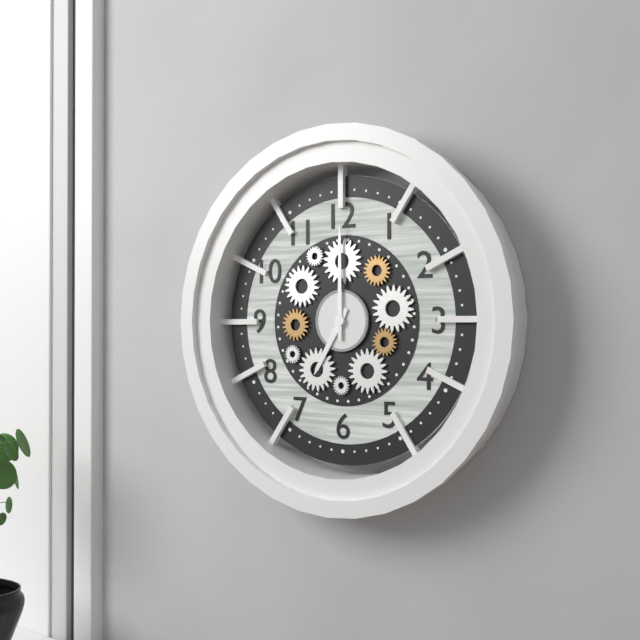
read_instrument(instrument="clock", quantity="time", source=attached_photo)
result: 7:00
